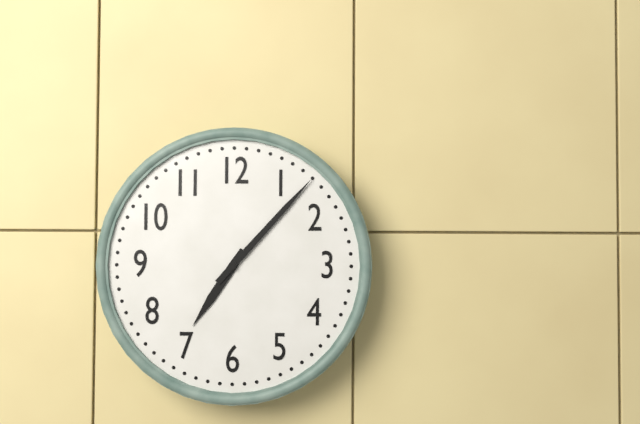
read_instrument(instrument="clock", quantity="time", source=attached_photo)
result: 7:07
